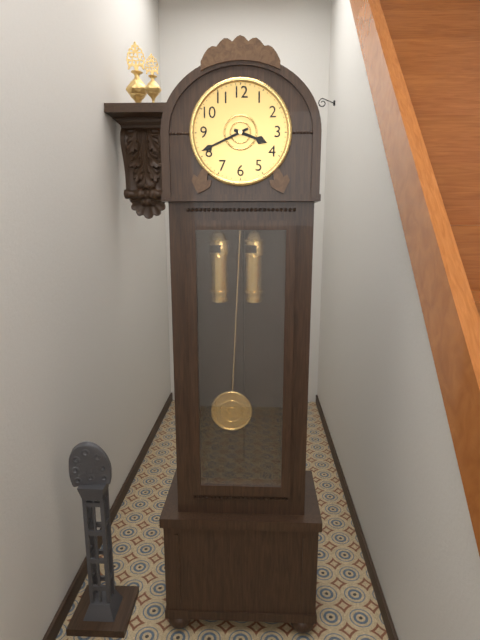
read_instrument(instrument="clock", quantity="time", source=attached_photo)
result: 3:41
